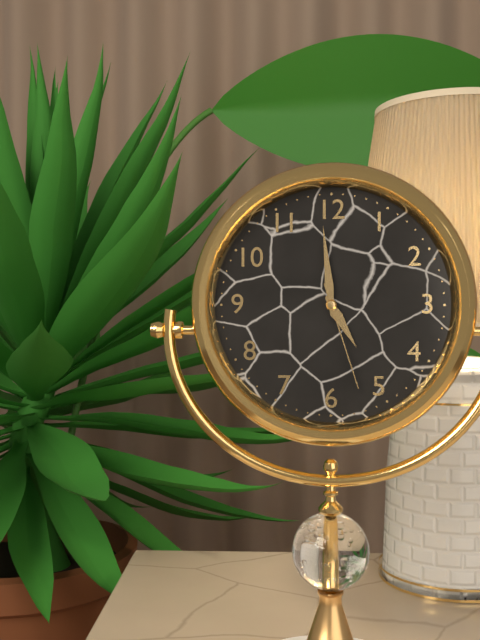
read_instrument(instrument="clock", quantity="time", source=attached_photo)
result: 4:59:27
